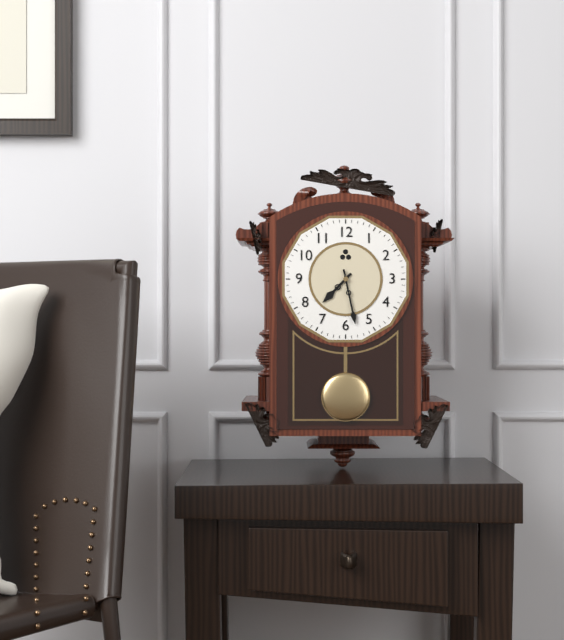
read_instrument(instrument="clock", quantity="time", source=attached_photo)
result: 7:28
